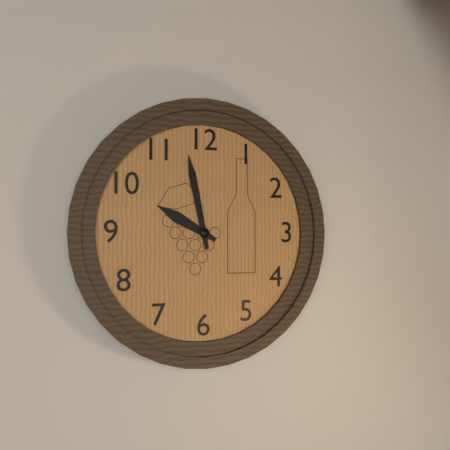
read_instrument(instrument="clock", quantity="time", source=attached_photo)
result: 9:58
